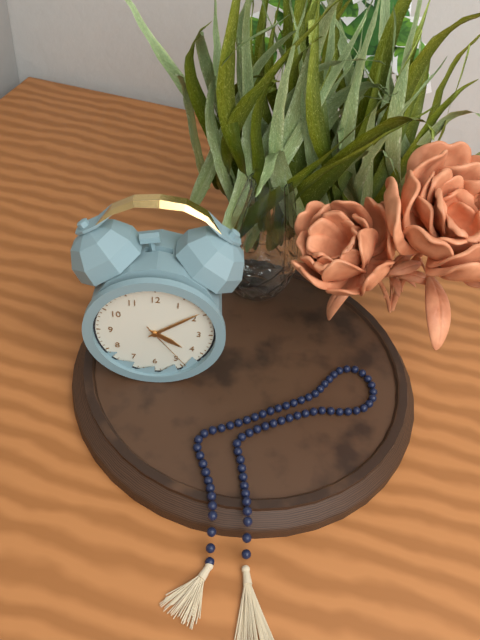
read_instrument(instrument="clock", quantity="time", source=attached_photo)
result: 4:09:24
